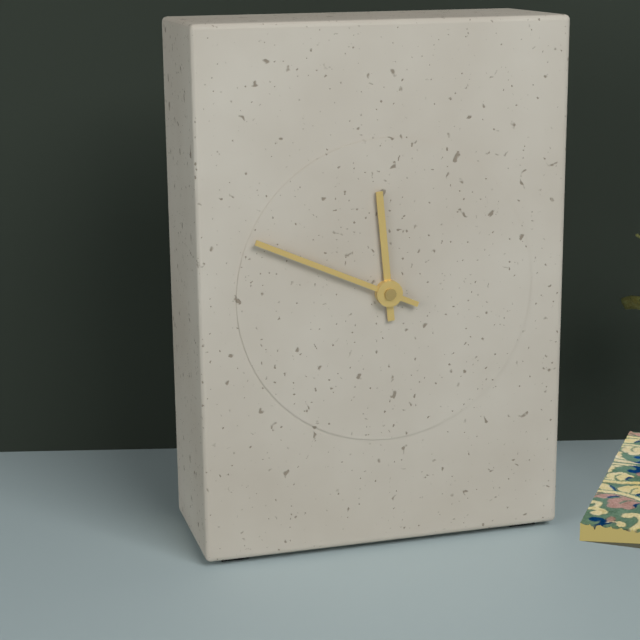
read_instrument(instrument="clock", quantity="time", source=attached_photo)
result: 11:49
